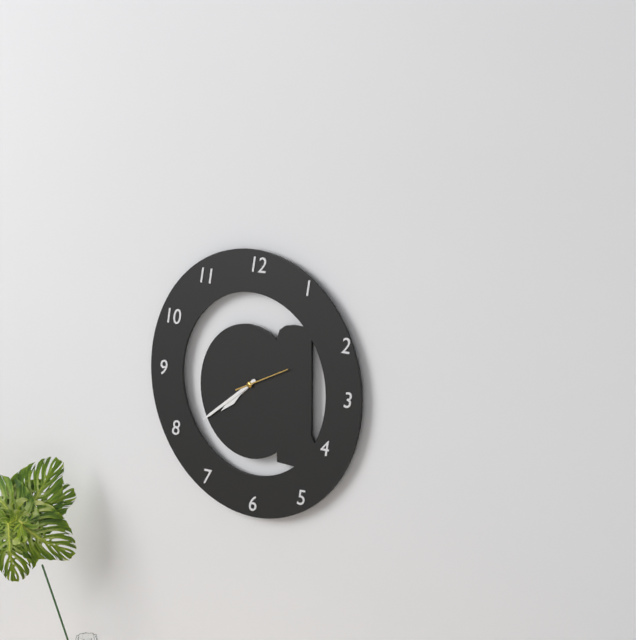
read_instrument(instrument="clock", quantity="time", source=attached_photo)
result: 7:39
